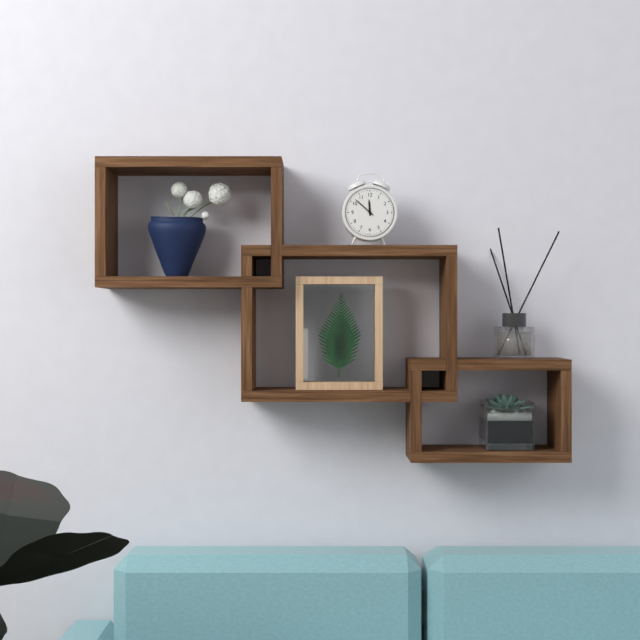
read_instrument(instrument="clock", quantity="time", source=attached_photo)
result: 11:52
